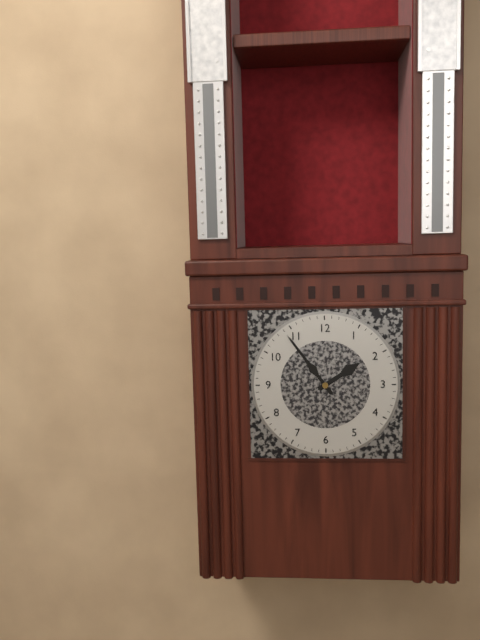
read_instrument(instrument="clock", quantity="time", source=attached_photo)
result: 1:54
